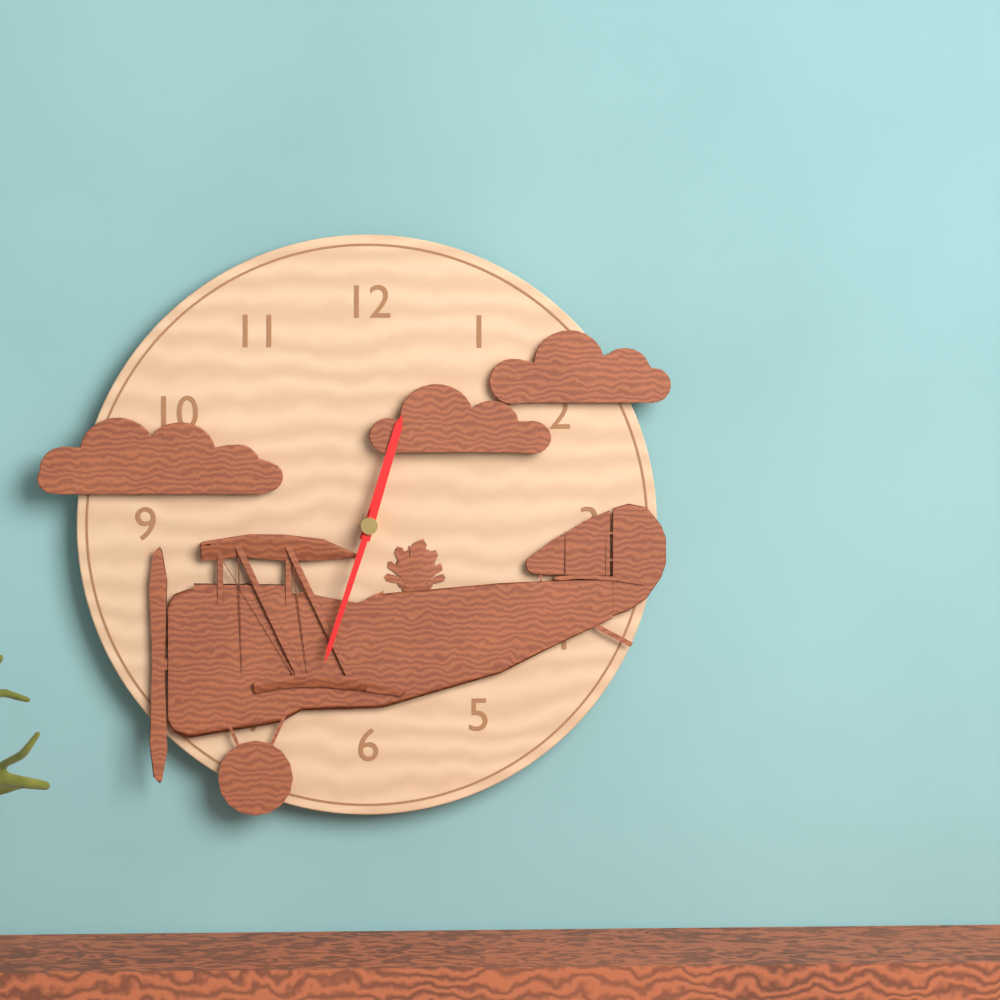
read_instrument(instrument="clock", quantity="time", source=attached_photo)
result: 12:33
